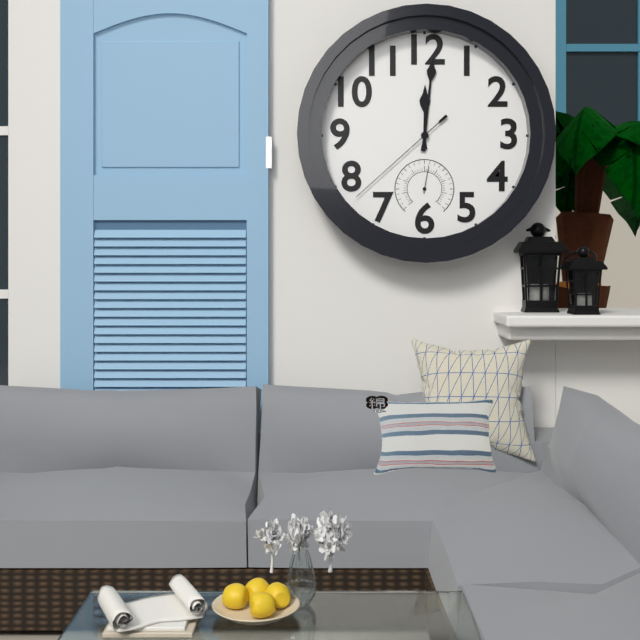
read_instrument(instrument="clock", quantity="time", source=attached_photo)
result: 12:01:38
